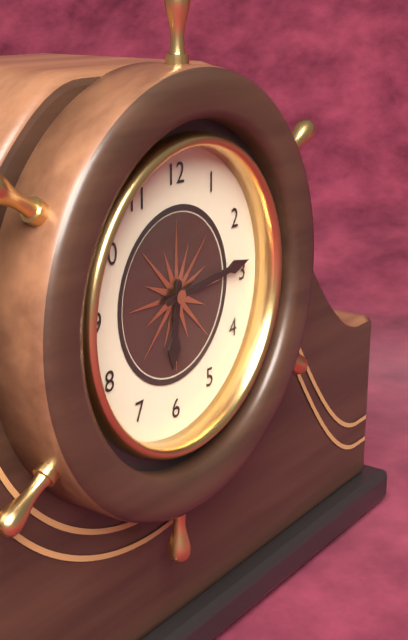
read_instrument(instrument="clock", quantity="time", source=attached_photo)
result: 6:14
